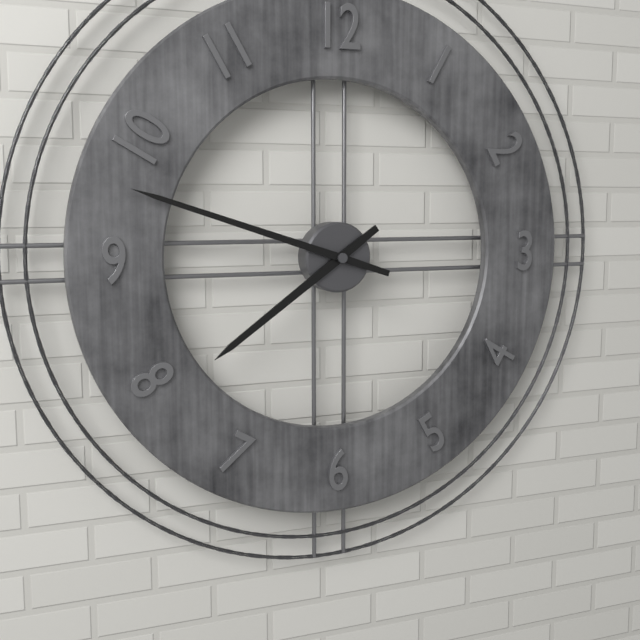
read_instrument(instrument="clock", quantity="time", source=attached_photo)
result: 7:48
